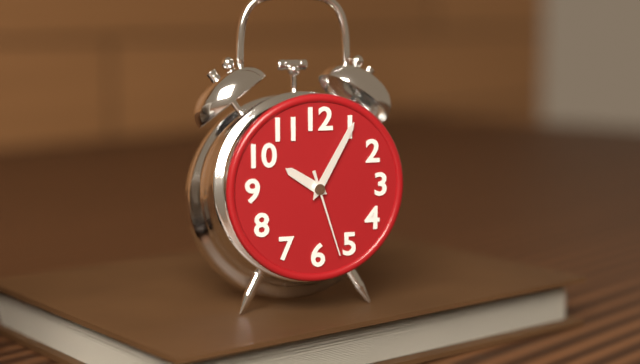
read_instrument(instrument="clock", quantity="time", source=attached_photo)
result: 10:05:27
